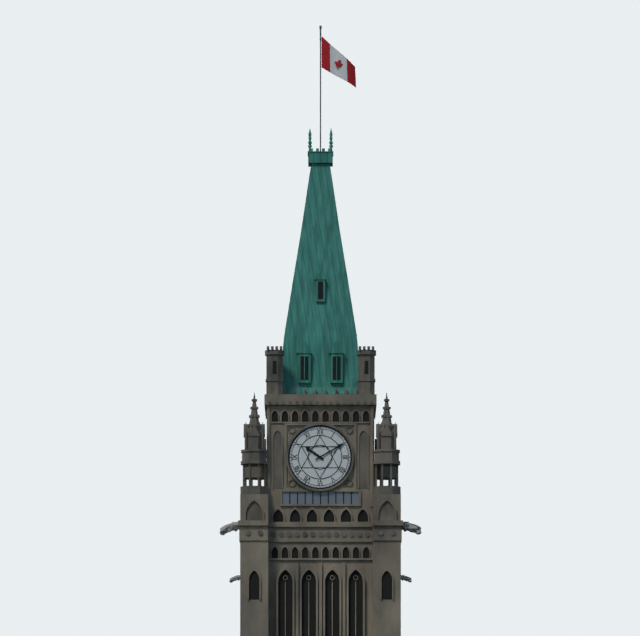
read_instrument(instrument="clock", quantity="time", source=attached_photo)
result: 10:10
